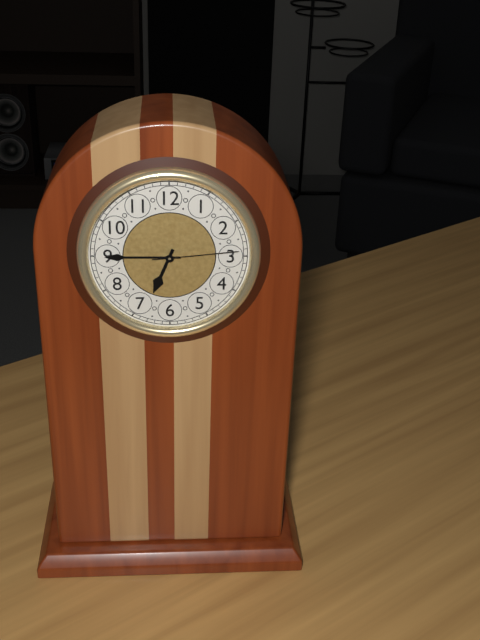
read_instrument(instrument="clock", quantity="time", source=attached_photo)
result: 6:45:14
